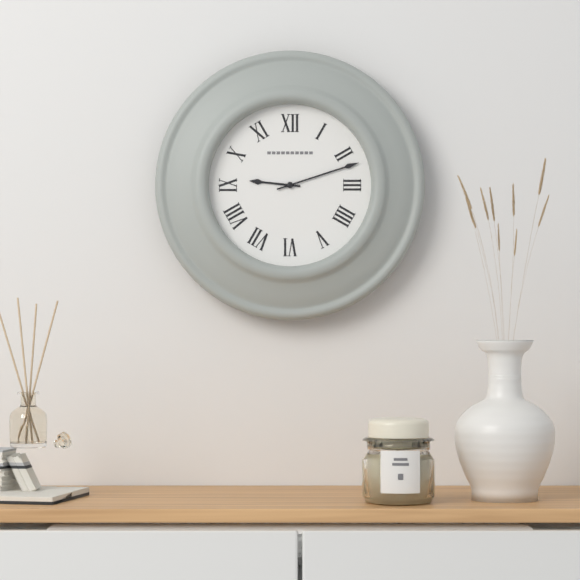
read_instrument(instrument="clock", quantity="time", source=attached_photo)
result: 9:12
